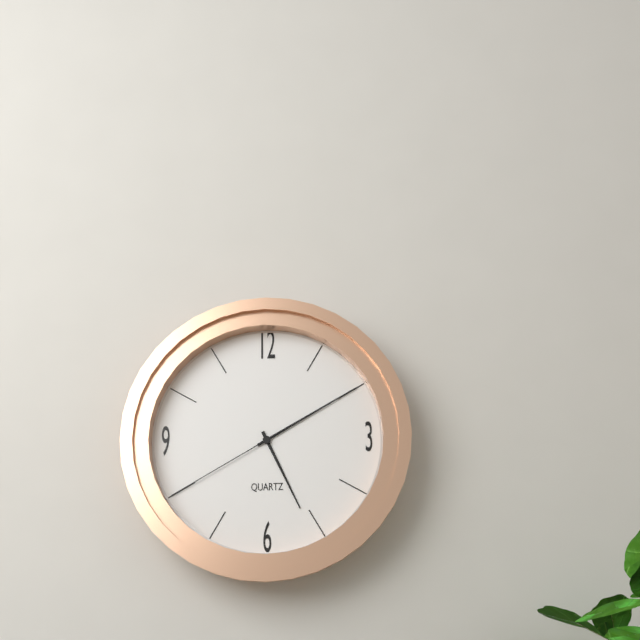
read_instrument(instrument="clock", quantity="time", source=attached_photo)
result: 5:10:40
